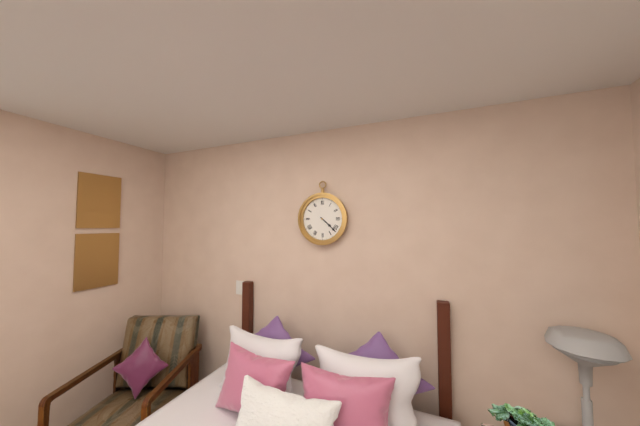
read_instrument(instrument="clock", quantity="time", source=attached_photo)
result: 4:22
